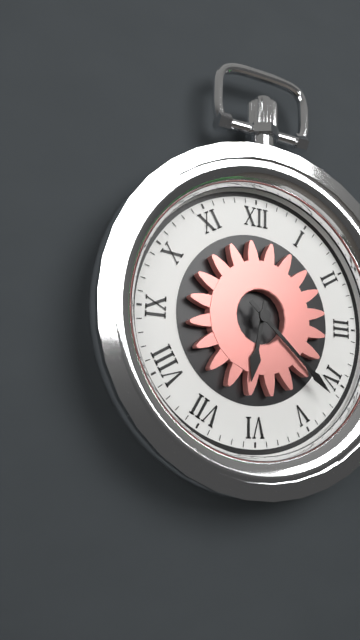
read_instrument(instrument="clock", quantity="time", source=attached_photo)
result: 6:22
